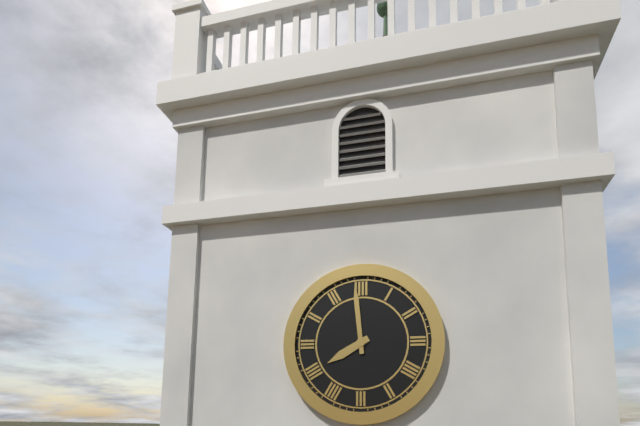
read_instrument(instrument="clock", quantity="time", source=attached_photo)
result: 7:59
